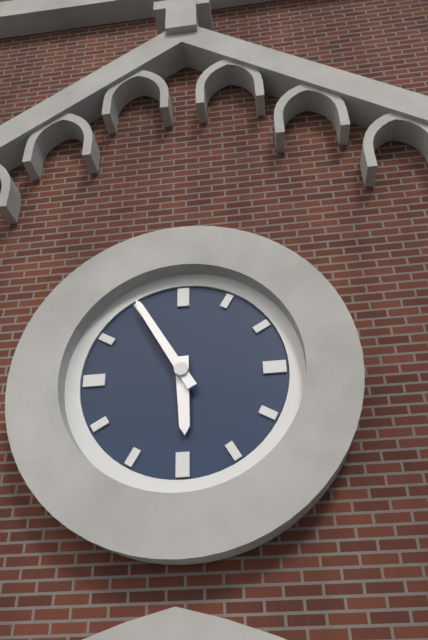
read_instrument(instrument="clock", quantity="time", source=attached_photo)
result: 5:55
